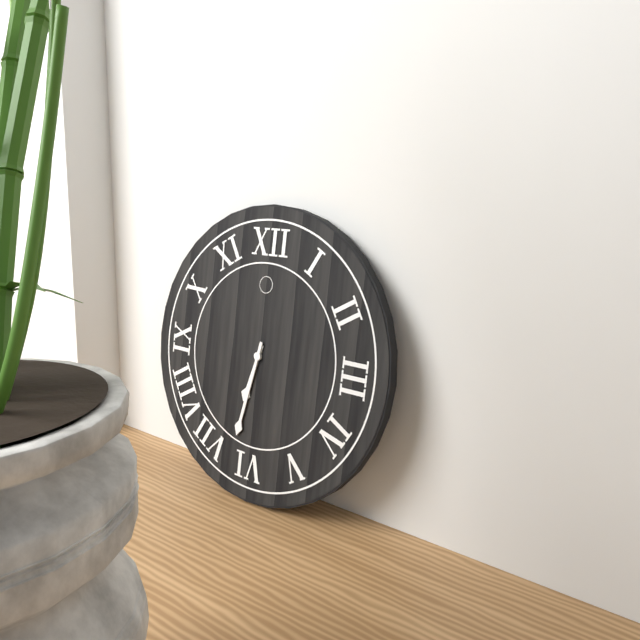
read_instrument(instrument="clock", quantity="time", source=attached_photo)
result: 6:32
